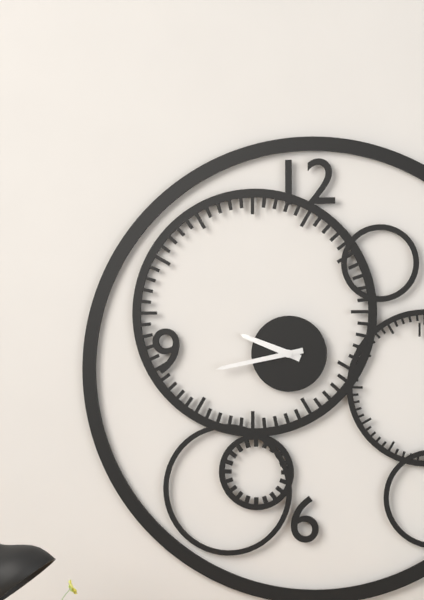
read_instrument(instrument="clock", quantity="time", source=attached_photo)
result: 9:43
